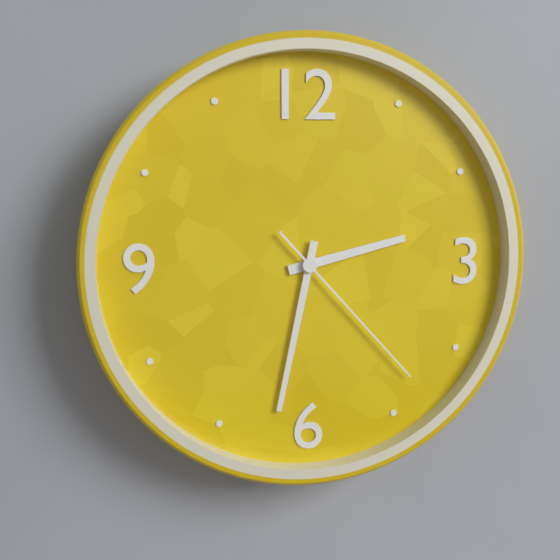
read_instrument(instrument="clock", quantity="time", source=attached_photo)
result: 2:32:23
